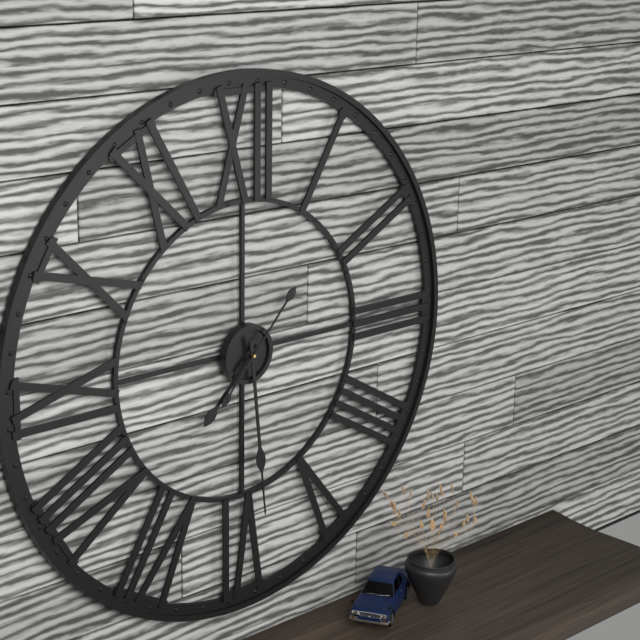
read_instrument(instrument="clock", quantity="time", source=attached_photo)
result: 7:29:07
